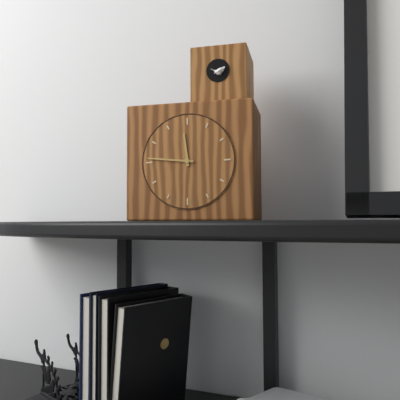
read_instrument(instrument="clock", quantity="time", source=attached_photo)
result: 11:46
